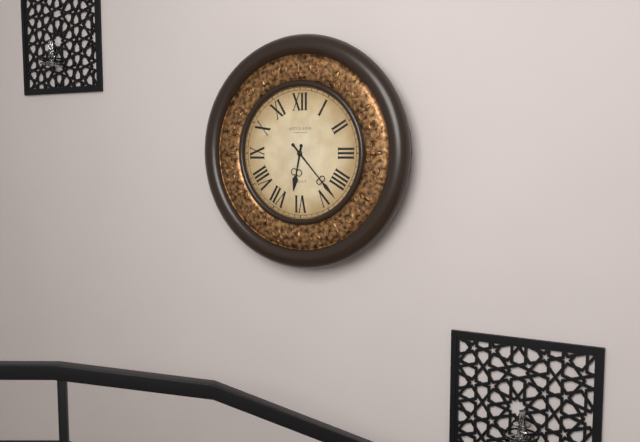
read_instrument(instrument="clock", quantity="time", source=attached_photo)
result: 6:23
